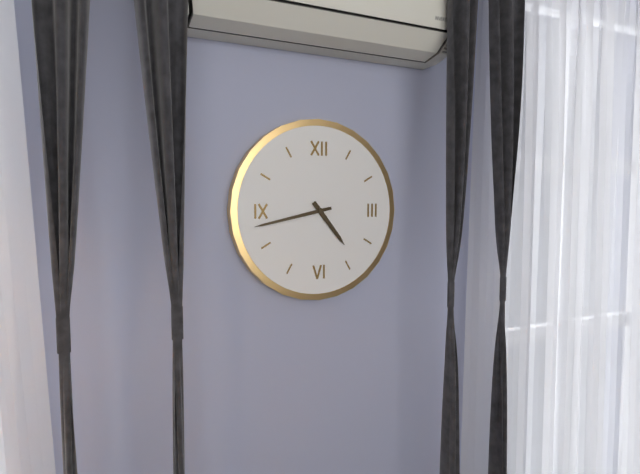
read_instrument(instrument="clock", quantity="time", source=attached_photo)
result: 4:43
